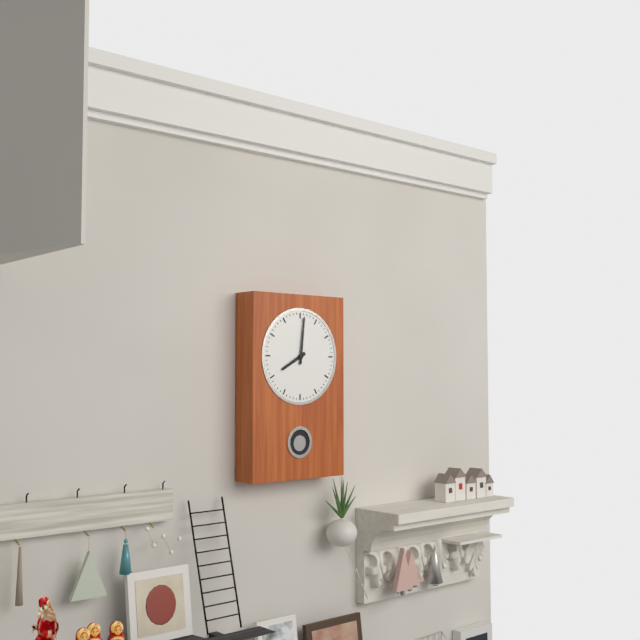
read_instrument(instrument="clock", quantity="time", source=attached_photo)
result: 8:01
